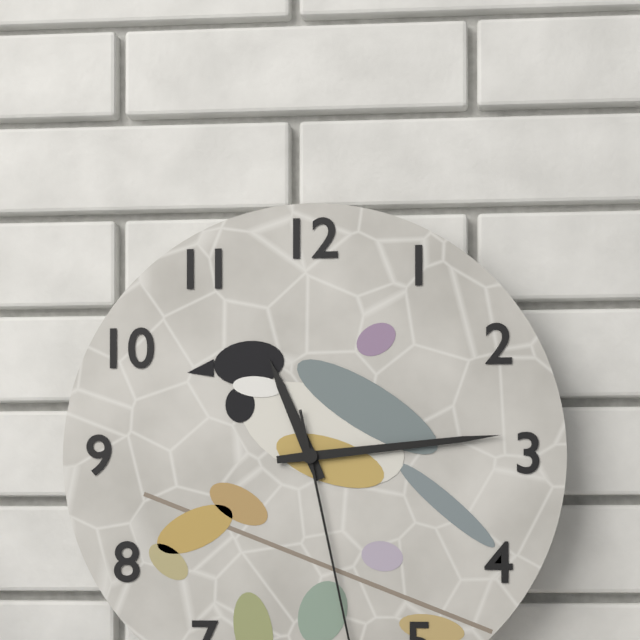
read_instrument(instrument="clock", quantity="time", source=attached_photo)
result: 11:14
